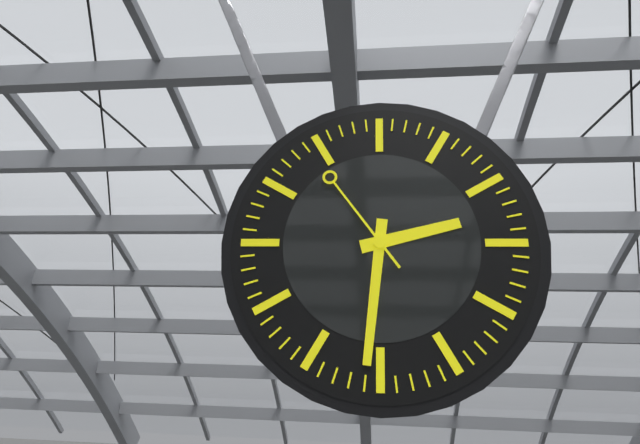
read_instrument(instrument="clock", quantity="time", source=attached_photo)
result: 2:31:54
